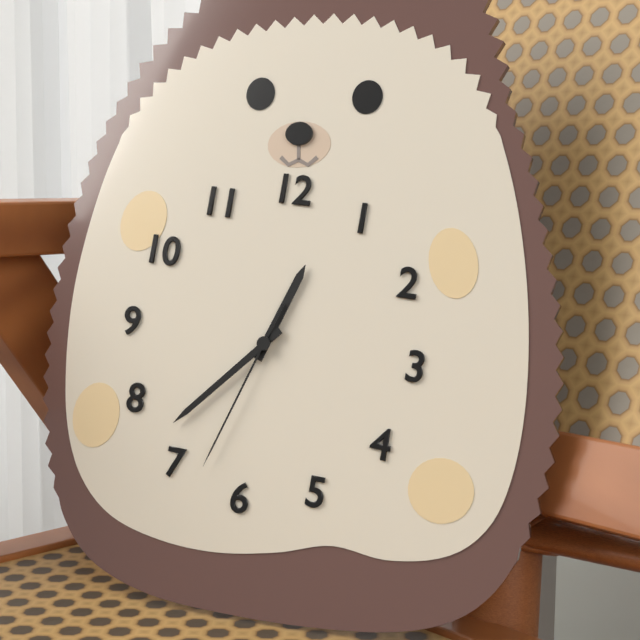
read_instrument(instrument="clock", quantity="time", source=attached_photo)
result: 12:37:33
